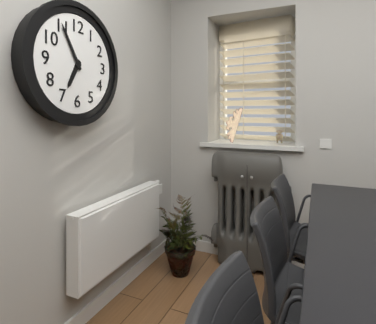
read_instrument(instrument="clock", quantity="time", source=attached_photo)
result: 6:55
